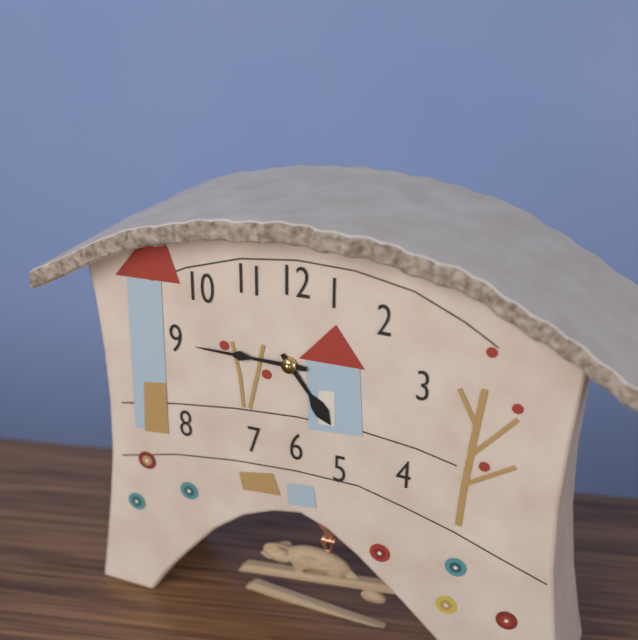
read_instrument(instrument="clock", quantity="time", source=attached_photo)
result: 4:45
